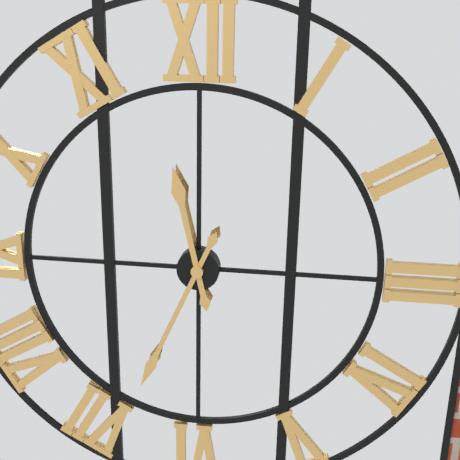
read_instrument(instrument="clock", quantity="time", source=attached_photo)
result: 11:34
